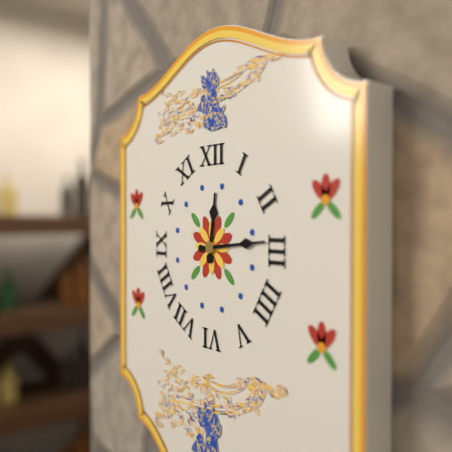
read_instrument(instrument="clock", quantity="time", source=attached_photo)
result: 12:14
